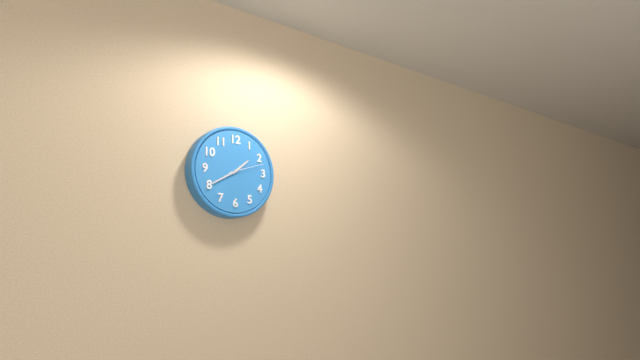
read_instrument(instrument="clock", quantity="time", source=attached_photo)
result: 1:40
